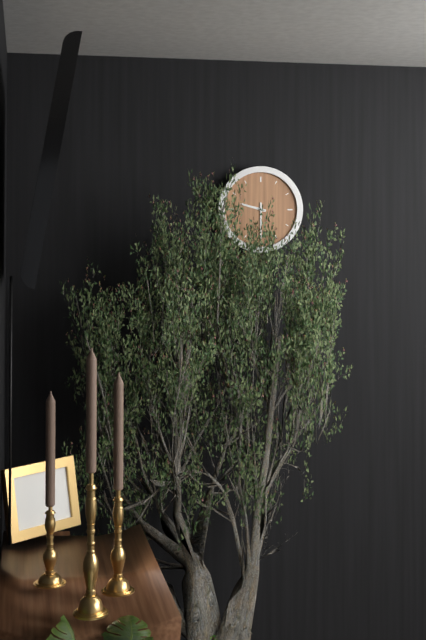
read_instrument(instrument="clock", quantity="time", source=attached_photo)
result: 9:30
